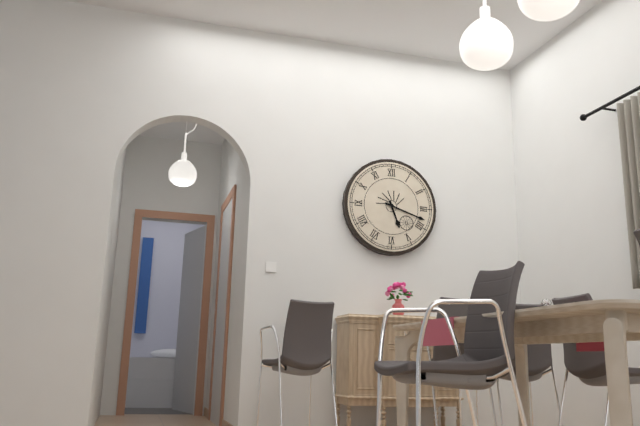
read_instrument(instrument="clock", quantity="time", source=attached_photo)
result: 5:18
